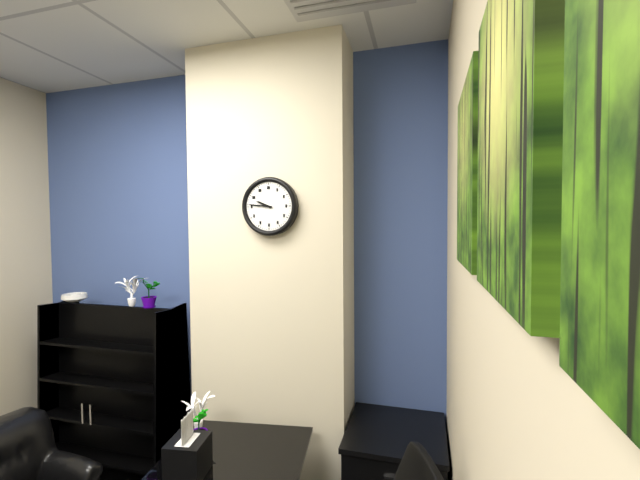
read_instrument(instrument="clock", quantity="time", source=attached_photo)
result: 9:46
